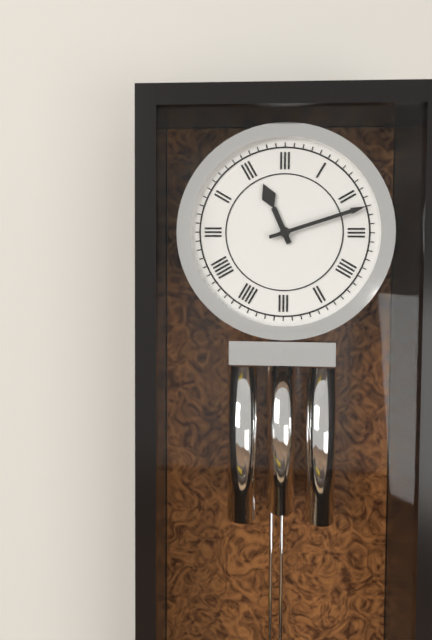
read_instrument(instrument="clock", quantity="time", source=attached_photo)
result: 11:12
